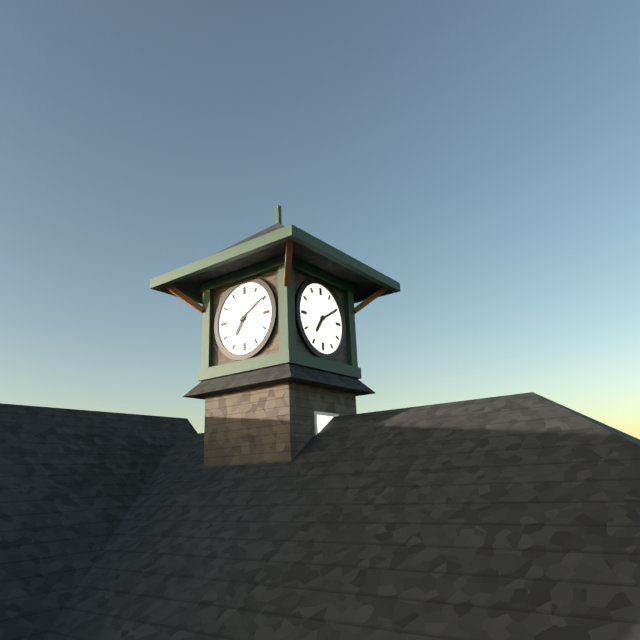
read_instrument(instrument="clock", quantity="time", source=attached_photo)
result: 7:10
